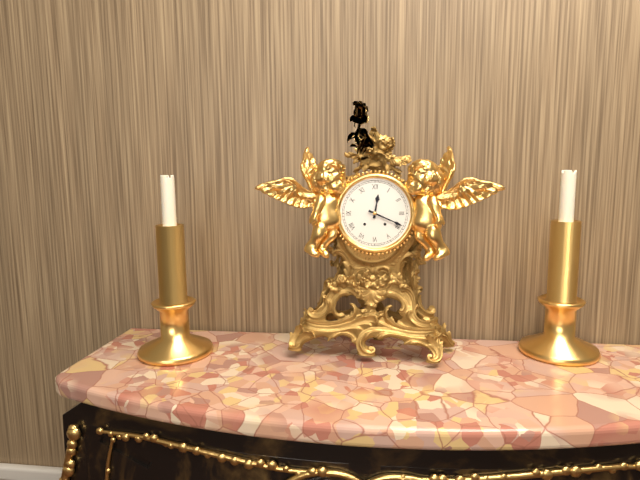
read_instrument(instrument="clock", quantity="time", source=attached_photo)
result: 12:19
